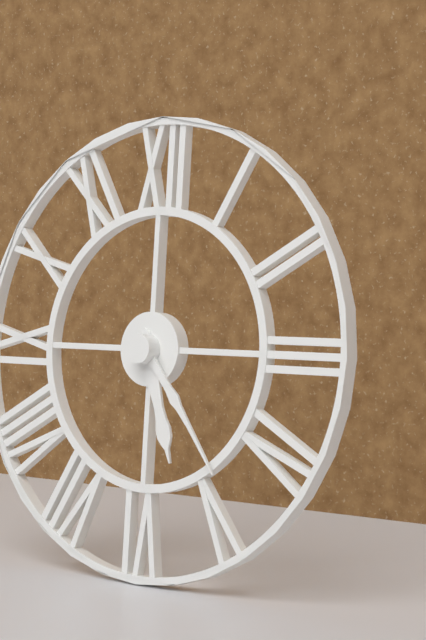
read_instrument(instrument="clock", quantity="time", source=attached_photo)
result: 5:23
